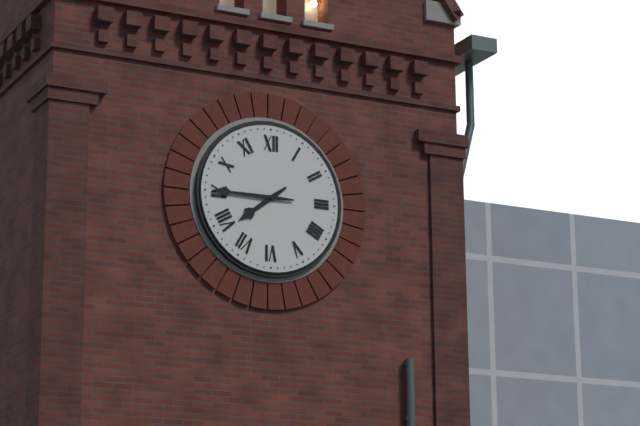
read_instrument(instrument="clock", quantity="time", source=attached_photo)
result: 7:45
